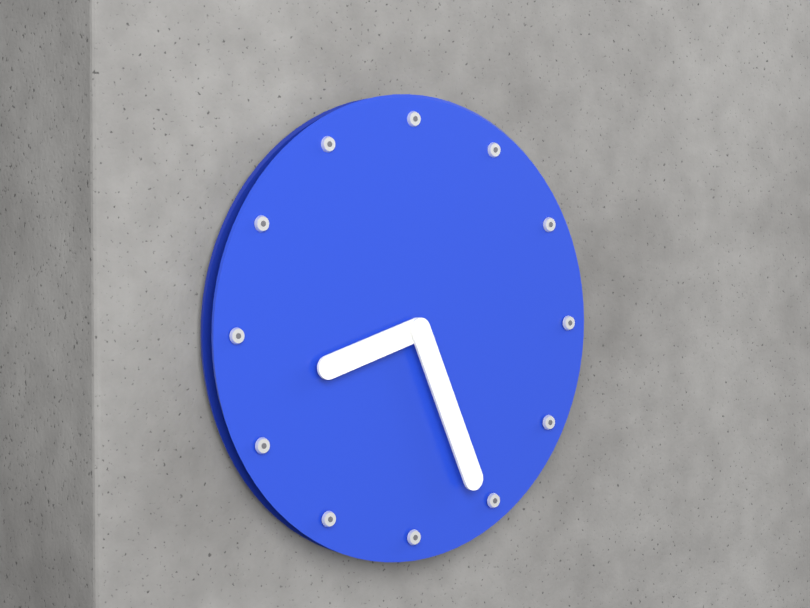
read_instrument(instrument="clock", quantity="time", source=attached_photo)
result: 8:26
